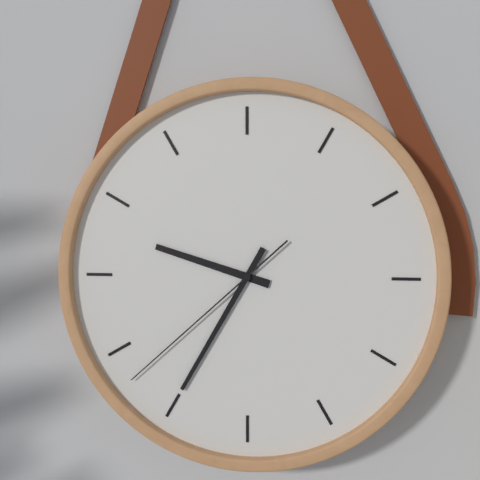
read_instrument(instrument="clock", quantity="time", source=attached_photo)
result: 9:35:38
